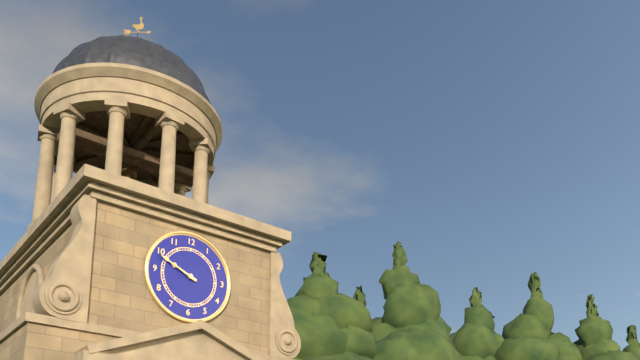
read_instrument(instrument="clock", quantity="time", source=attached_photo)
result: 9:49
